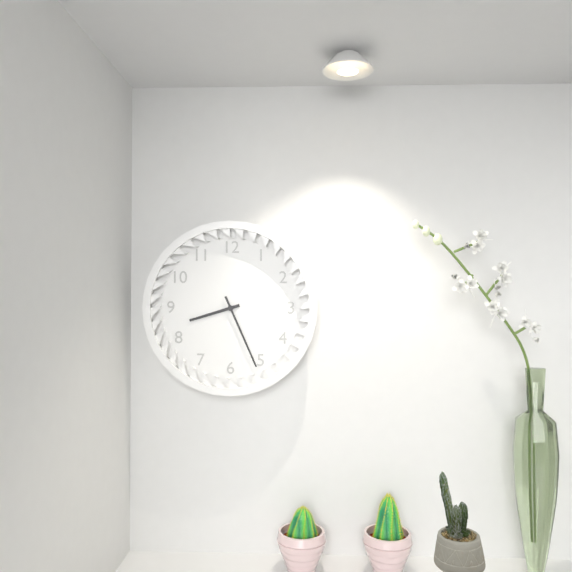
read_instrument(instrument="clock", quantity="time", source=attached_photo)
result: 8:26
